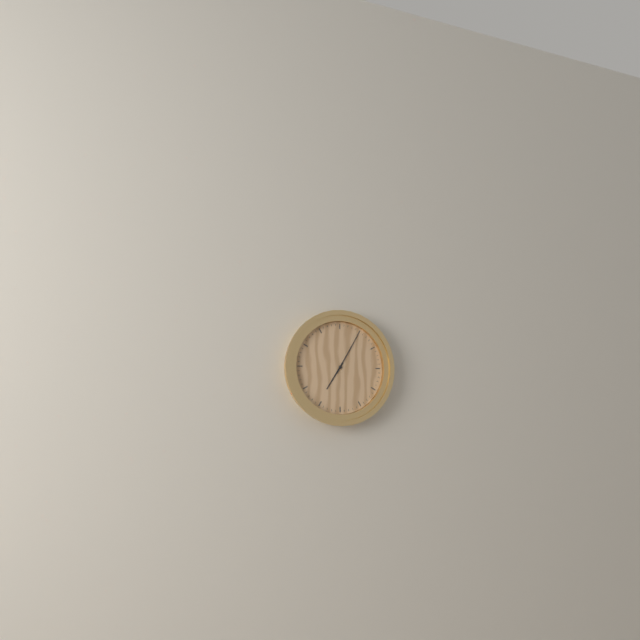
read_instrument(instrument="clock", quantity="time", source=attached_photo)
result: 7:05
